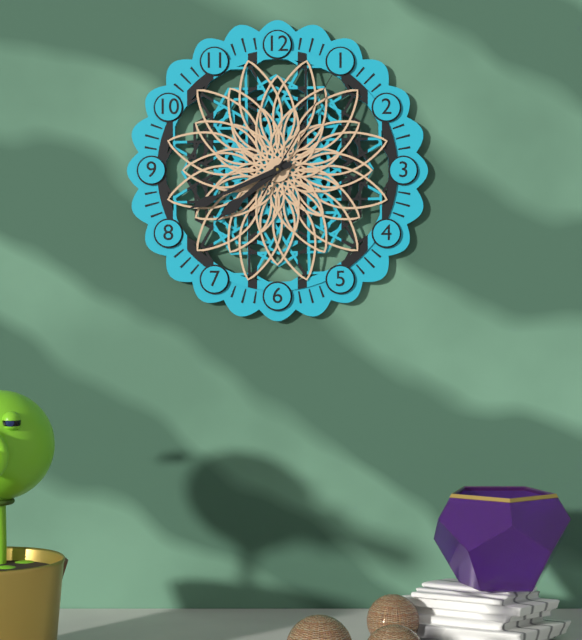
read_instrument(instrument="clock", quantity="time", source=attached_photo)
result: 7:41:05
